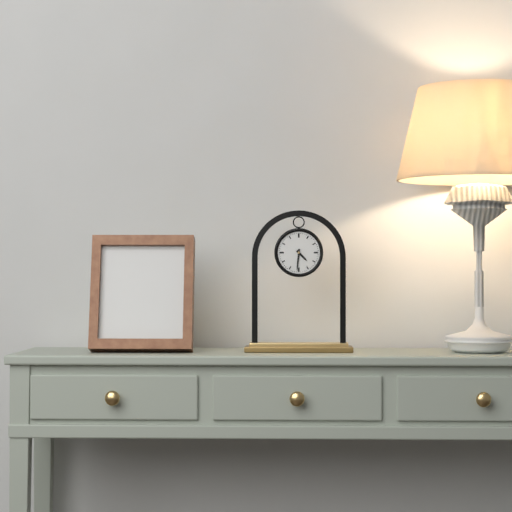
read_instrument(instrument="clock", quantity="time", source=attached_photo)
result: 4:31
